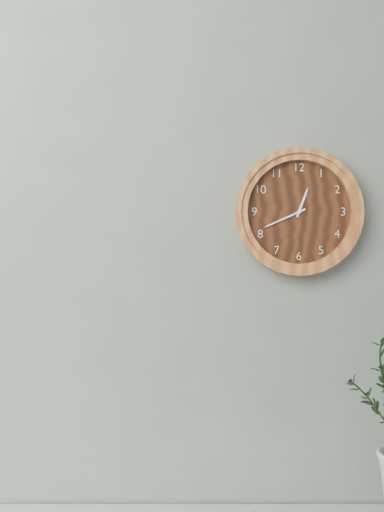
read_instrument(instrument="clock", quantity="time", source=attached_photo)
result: 12:41
